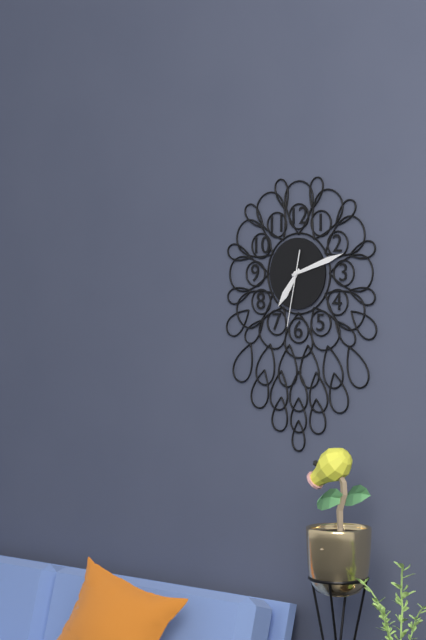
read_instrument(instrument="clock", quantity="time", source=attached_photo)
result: 7:12:32
